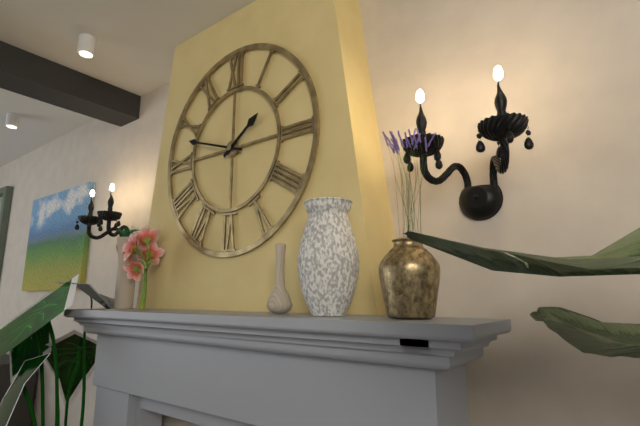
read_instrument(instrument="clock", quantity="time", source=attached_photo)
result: 1:48
